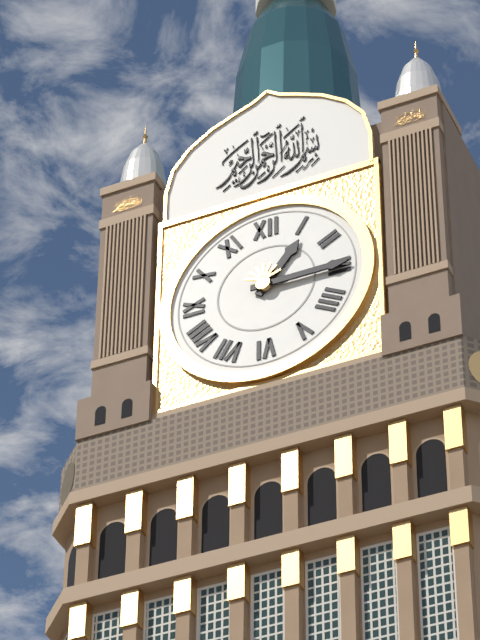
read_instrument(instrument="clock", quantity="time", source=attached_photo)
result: 1:15
